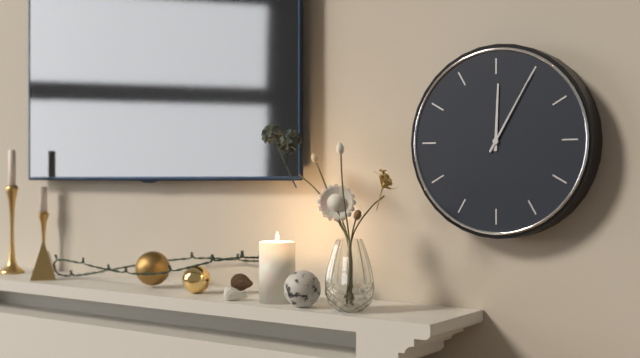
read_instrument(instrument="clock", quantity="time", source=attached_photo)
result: 12:05
